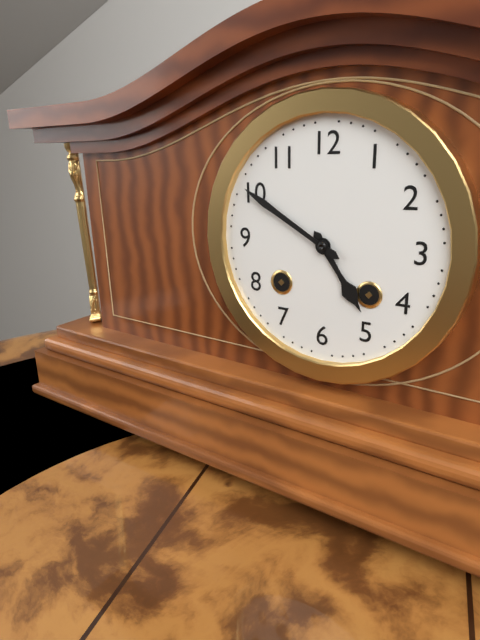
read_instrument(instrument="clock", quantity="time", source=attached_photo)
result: 4:50
